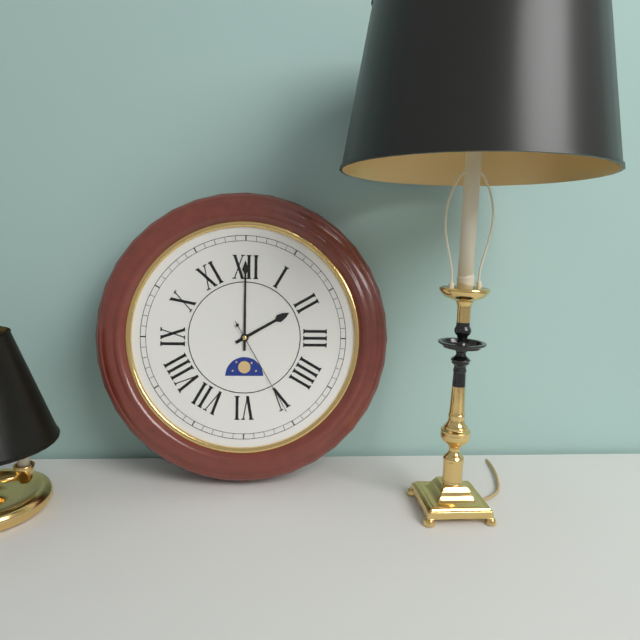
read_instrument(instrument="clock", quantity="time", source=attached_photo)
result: 2:00:25
